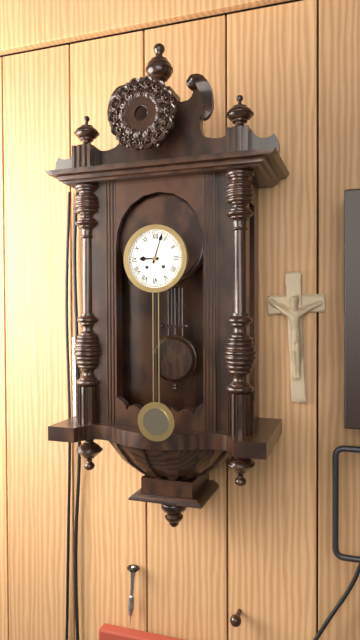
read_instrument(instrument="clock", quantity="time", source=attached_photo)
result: 9:03
